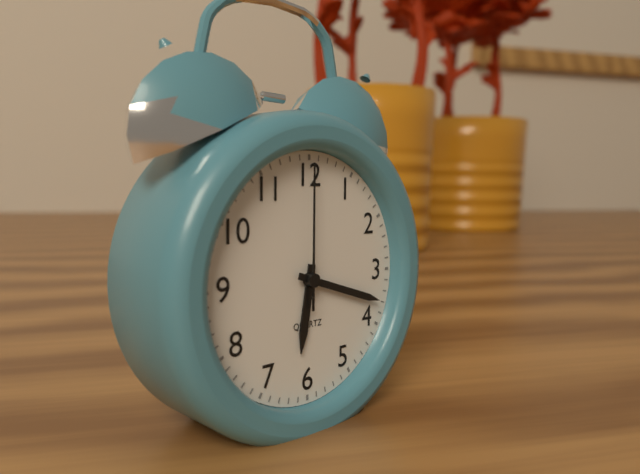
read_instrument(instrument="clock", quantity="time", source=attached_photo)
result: 6:18:00
